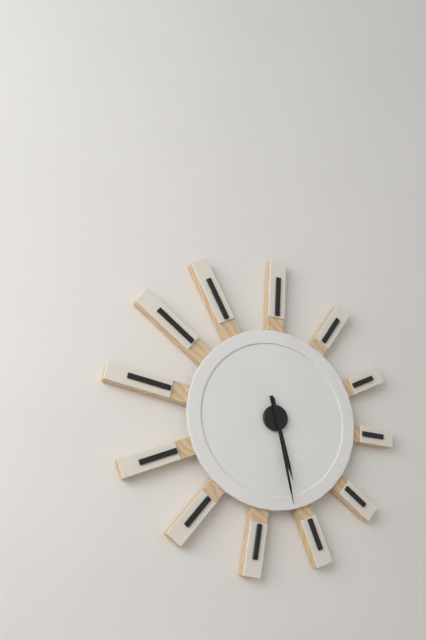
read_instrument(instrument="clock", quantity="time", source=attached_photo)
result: 5:28
